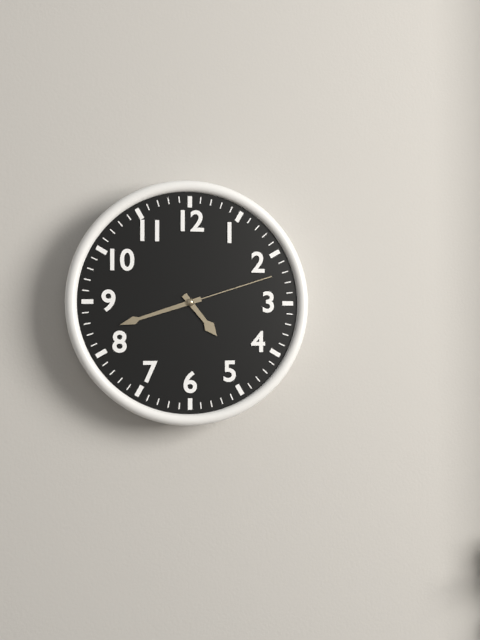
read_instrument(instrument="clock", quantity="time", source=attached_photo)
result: 4:42:12
